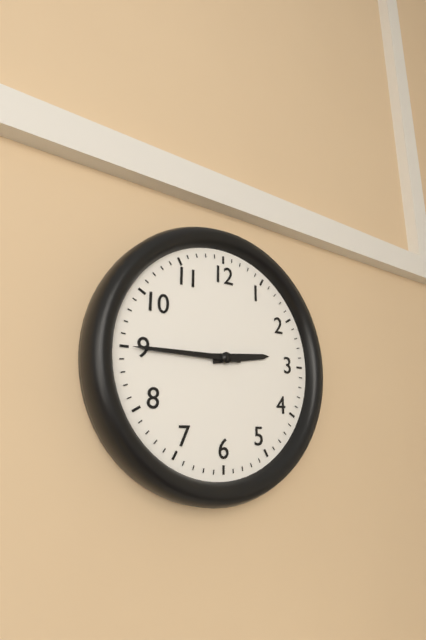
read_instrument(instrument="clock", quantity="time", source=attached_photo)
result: 2:45
